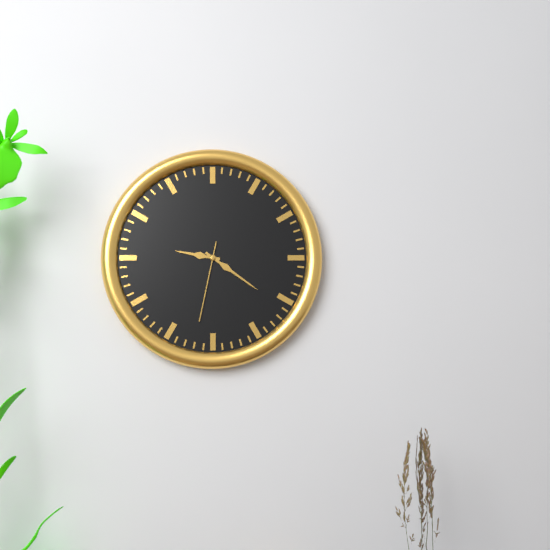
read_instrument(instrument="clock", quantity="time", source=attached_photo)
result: 9:21:32
